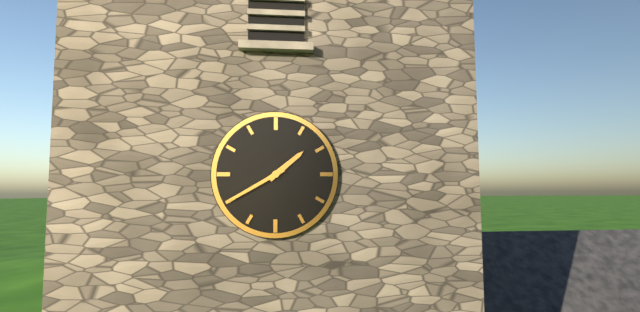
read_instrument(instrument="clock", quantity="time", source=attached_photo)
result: 1:40
